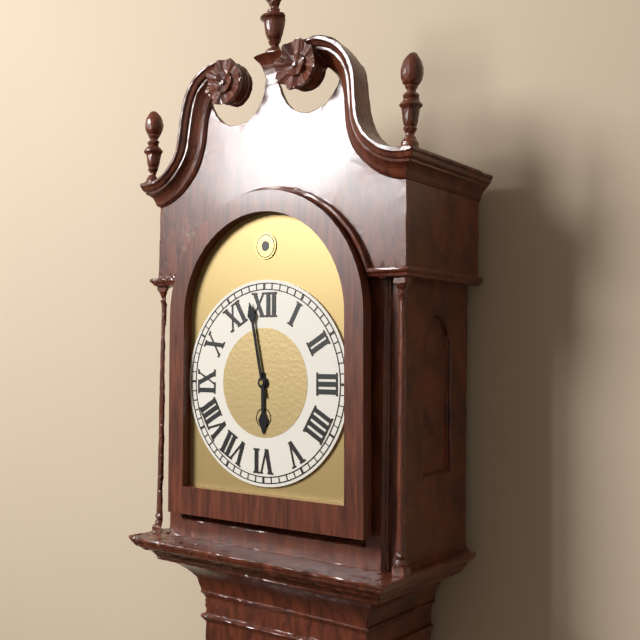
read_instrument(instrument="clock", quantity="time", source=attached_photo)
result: 5:58
